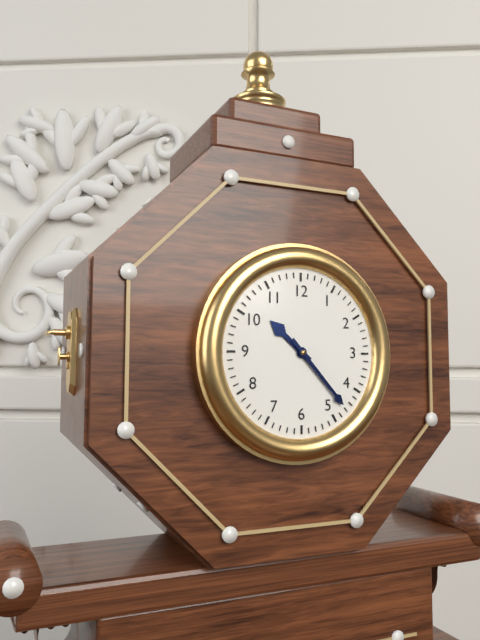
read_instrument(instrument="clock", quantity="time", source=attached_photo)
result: 10:23
